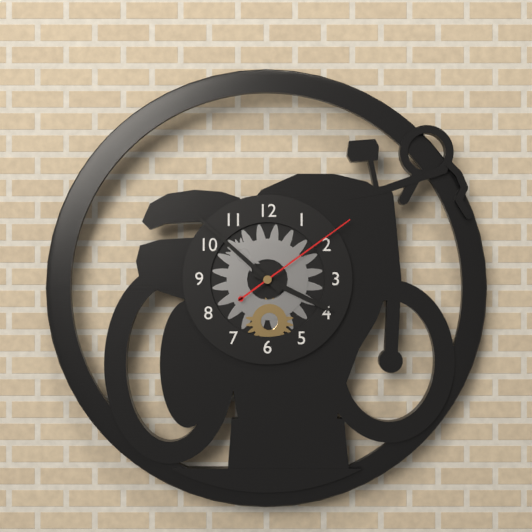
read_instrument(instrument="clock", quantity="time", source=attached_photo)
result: 3:52:09
